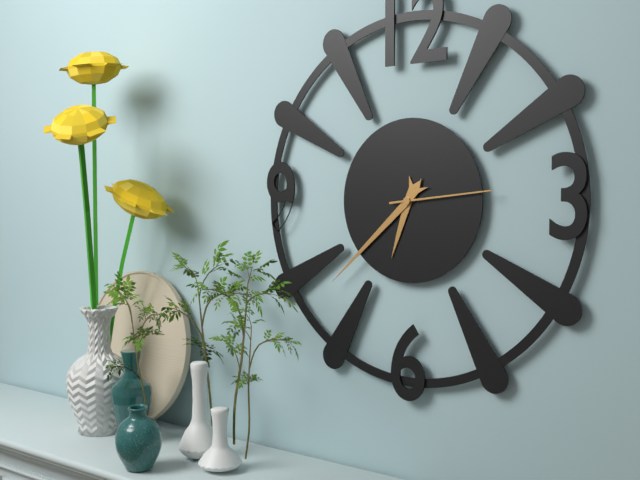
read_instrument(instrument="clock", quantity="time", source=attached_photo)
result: 6:38:14
